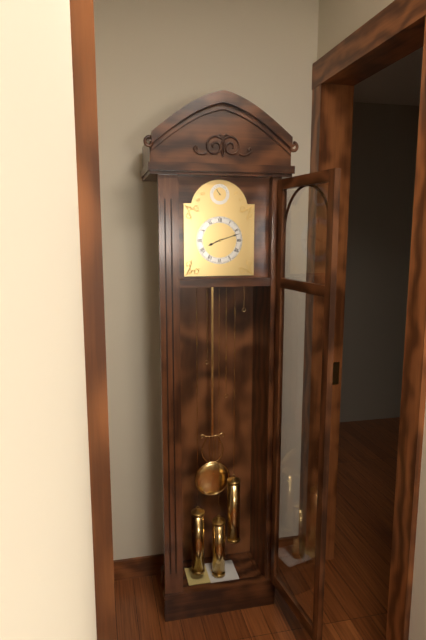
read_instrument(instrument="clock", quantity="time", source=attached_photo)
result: 8:12
